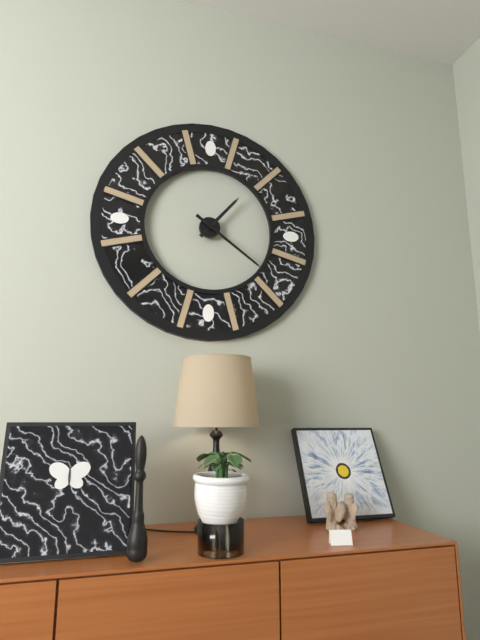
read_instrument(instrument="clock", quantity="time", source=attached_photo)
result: 1:21
